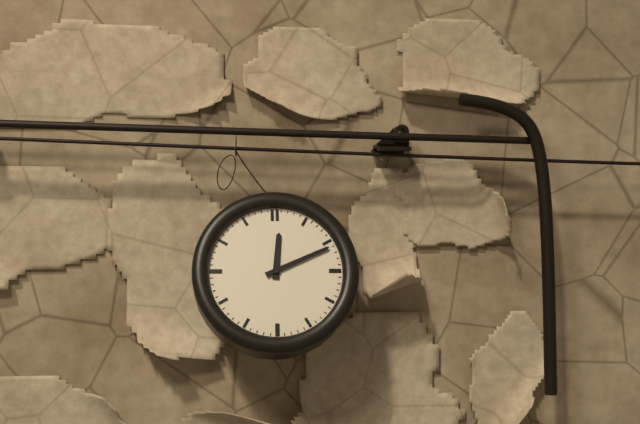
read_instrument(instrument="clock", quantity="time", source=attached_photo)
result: 12:11
